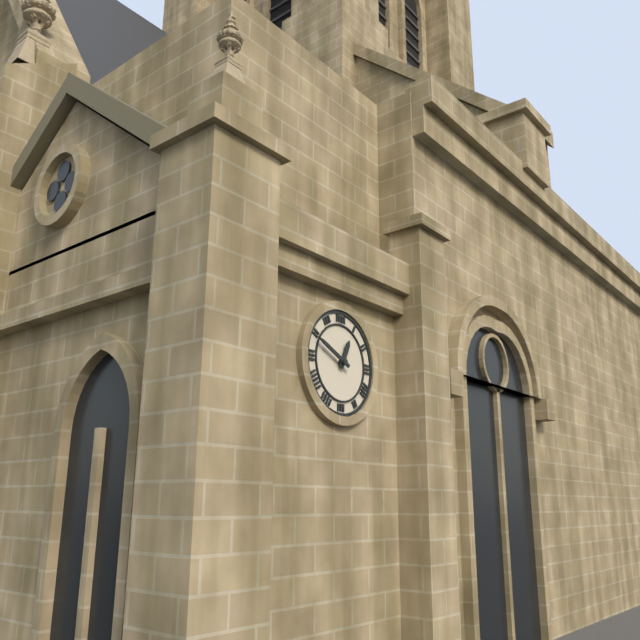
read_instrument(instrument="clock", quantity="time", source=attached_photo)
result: 12:49
